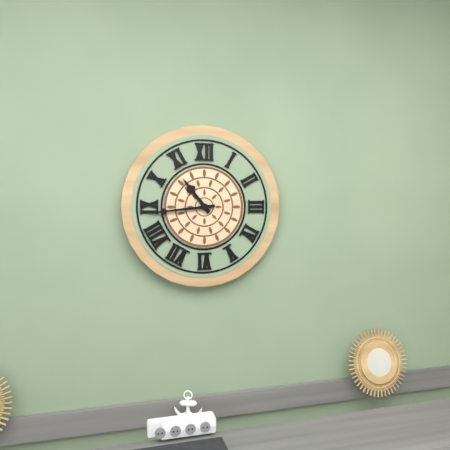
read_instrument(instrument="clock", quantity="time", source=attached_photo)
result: 10:44
